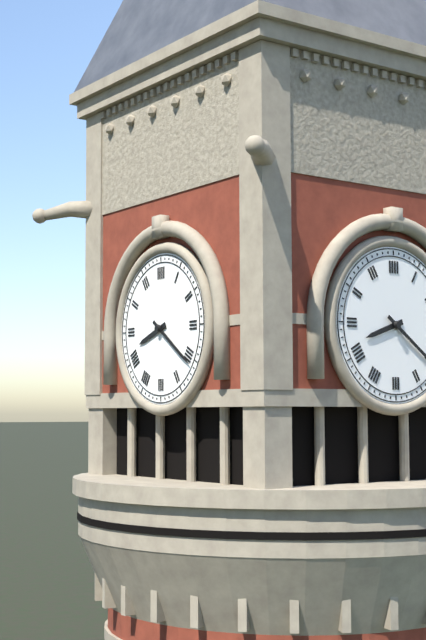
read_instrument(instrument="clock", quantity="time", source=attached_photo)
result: 8:21
